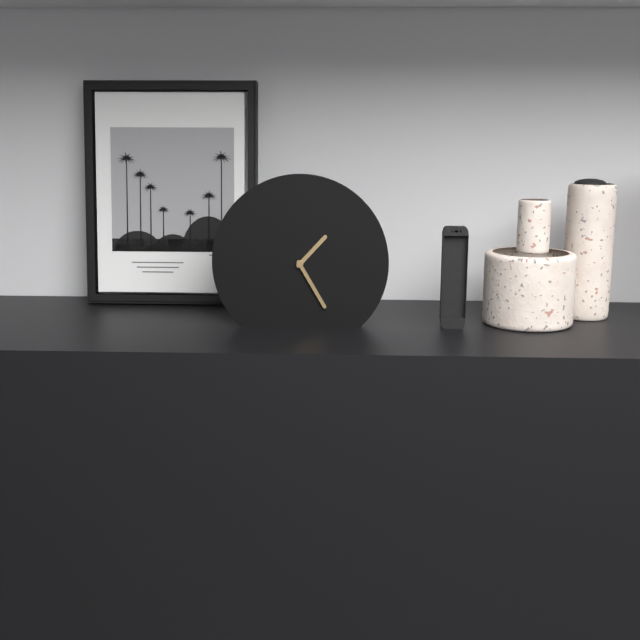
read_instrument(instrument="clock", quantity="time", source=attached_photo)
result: 1:25
